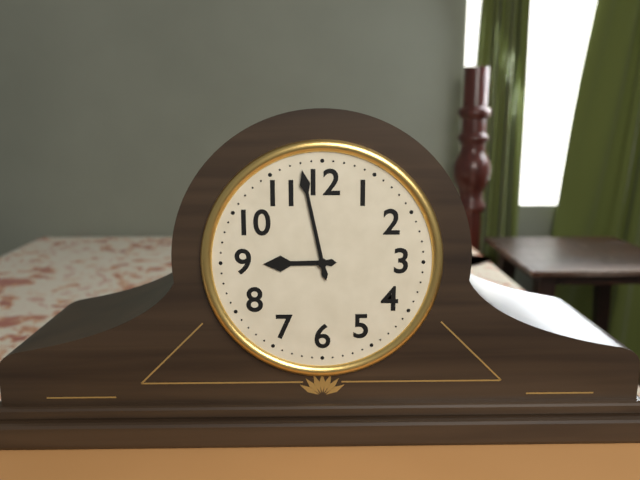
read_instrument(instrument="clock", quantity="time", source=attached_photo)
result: 8:58
